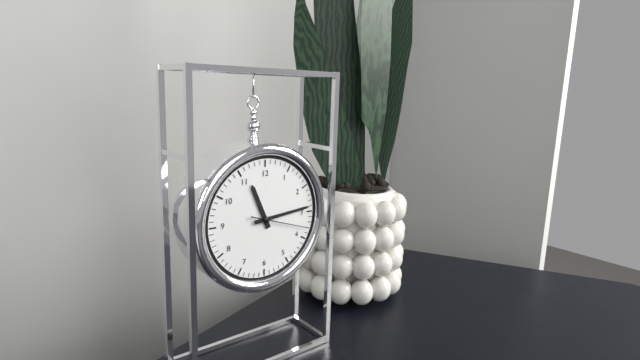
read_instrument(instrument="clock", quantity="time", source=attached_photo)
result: 11:14:18
